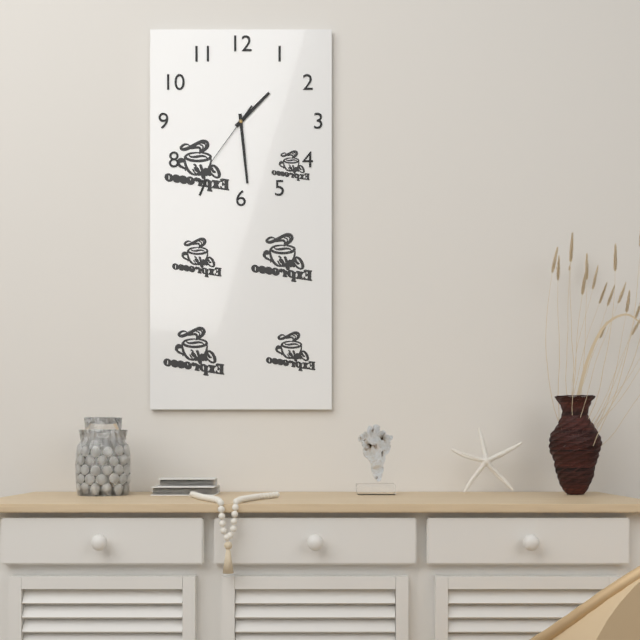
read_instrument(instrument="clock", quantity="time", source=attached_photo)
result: 1:29:36
